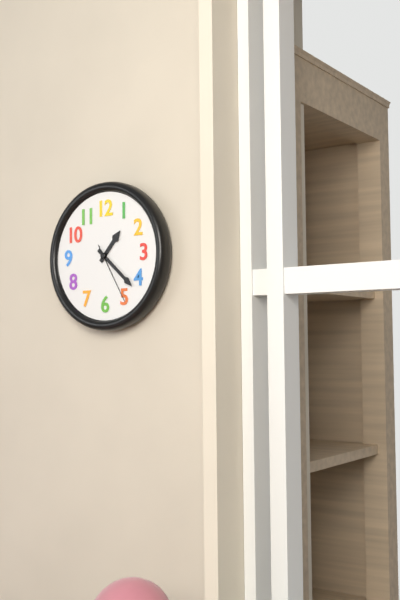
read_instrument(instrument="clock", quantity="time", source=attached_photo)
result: 1:22:25
